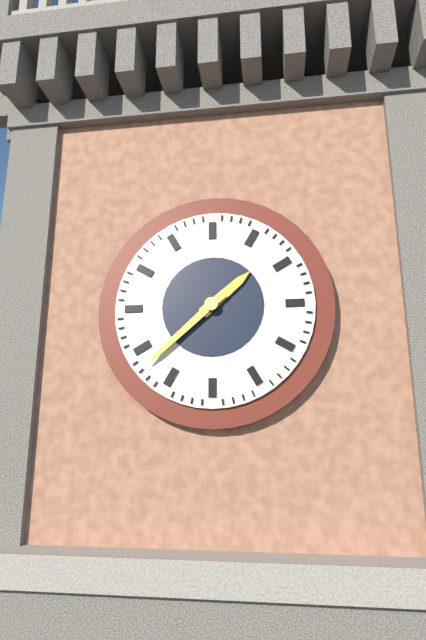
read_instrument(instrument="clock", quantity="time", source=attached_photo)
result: 1:38
